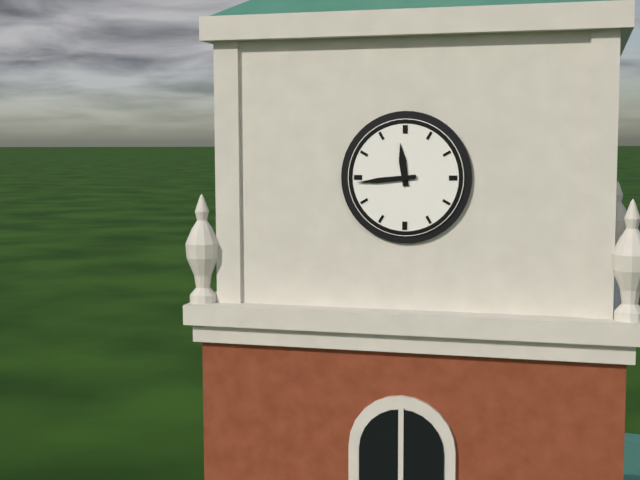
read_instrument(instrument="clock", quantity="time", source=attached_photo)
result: 11:44
